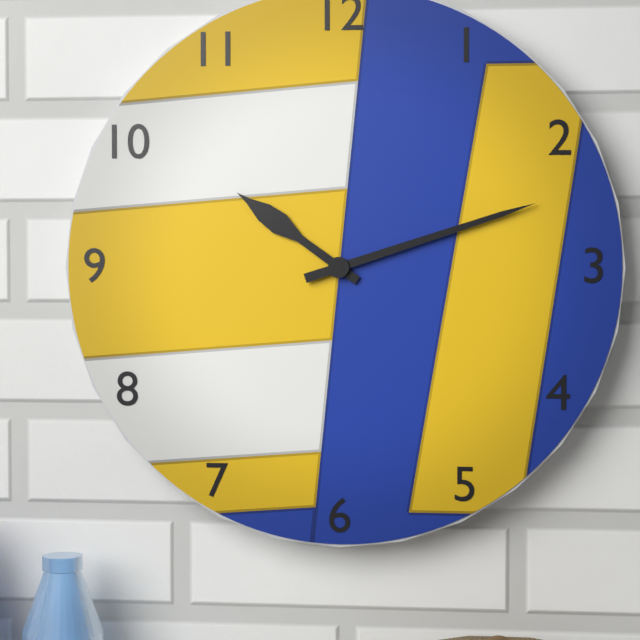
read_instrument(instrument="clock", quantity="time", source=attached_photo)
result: 10:12
